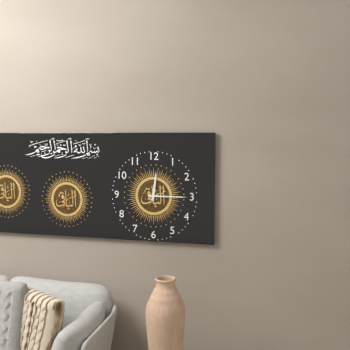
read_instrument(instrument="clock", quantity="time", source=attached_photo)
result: 12:15
